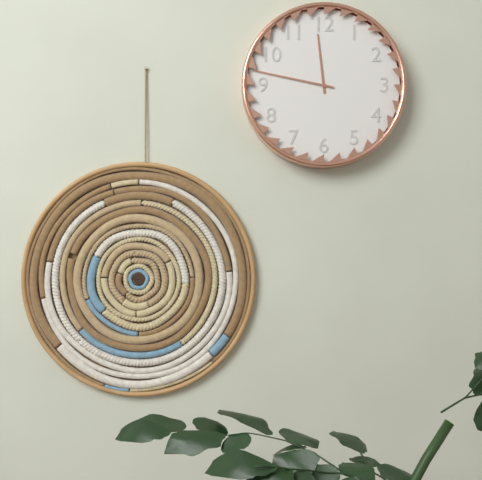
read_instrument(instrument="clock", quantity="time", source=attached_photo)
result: 11:47
